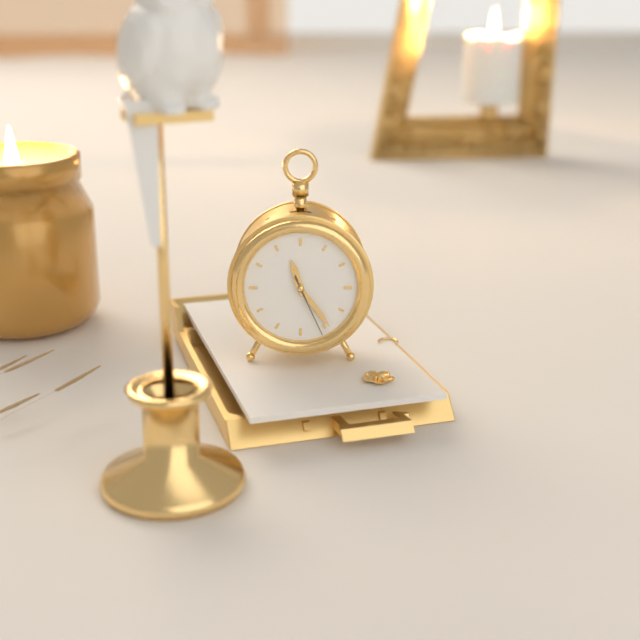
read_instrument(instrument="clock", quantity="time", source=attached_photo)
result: 11:24:26
